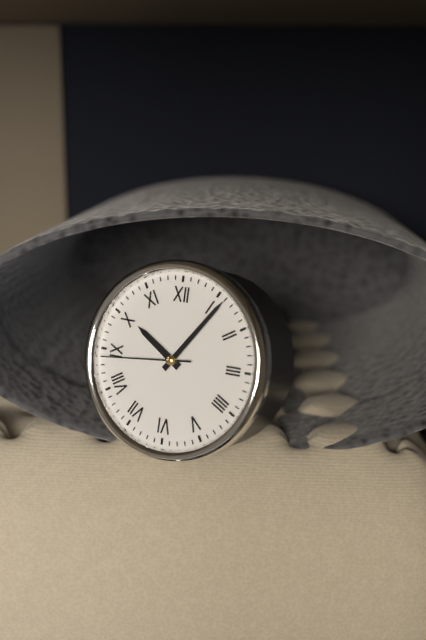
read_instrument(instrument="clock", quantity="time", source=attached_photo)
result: 10:06:44
